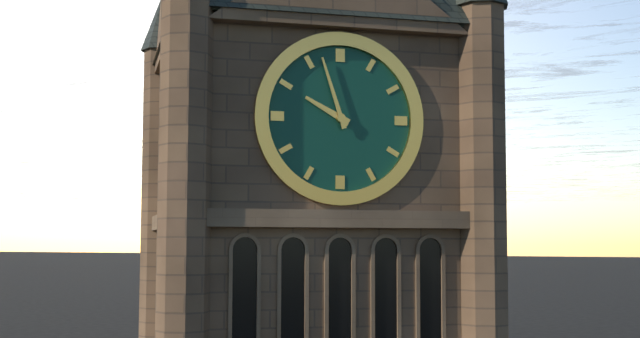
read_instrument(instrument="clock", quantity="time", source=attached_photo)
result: 9:57
